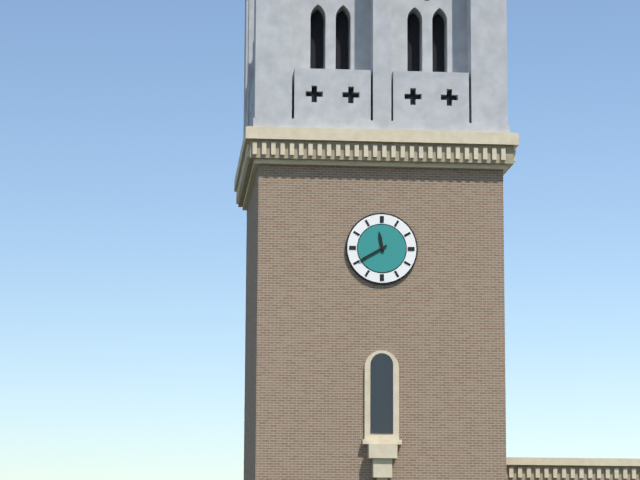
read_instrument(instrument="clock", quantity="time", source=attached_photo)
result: 11:40
